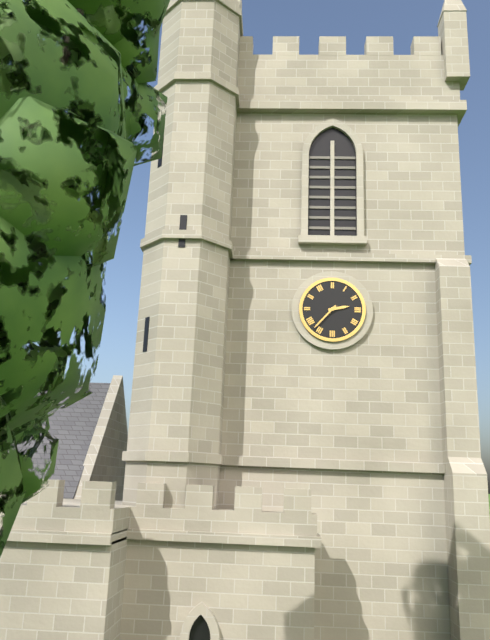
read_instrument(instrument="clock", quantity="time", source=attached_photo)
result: 2:37
